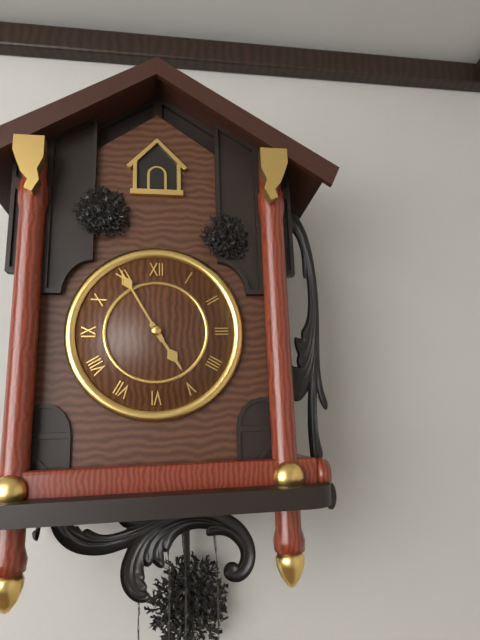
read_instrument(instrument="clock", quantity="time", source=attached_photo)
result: 4:55
